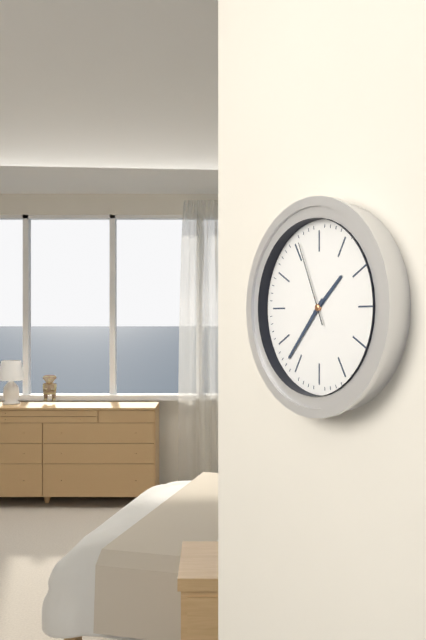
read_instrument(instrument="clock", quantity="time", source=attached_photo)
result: 1:37:56
